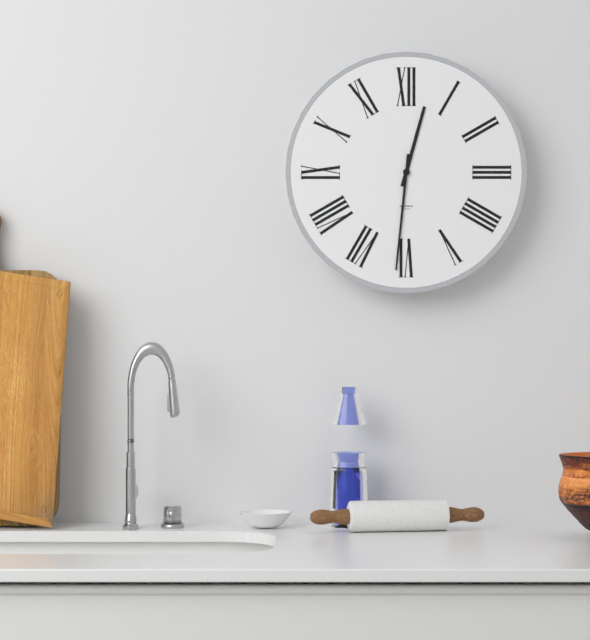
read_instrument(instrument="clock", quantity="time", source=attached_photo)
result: 12:31
